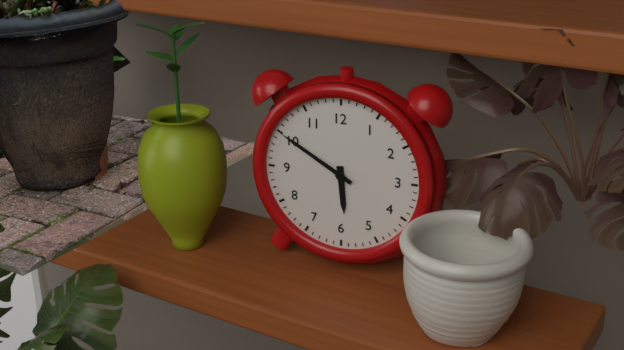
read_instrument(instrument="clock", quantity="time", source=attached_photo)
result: 5:50
